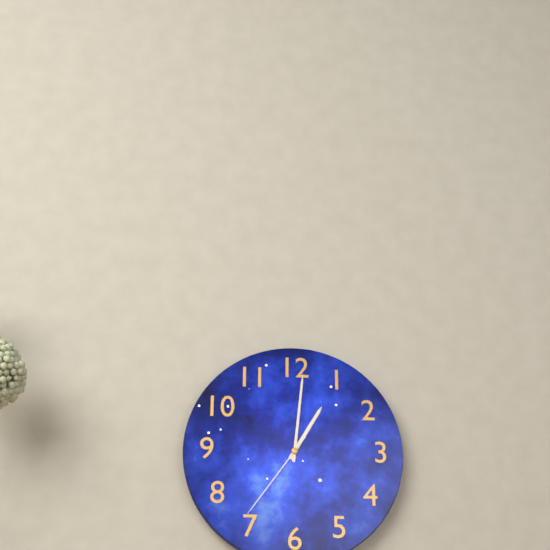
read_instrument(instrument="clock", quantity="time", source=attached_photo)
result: 1:01:36
